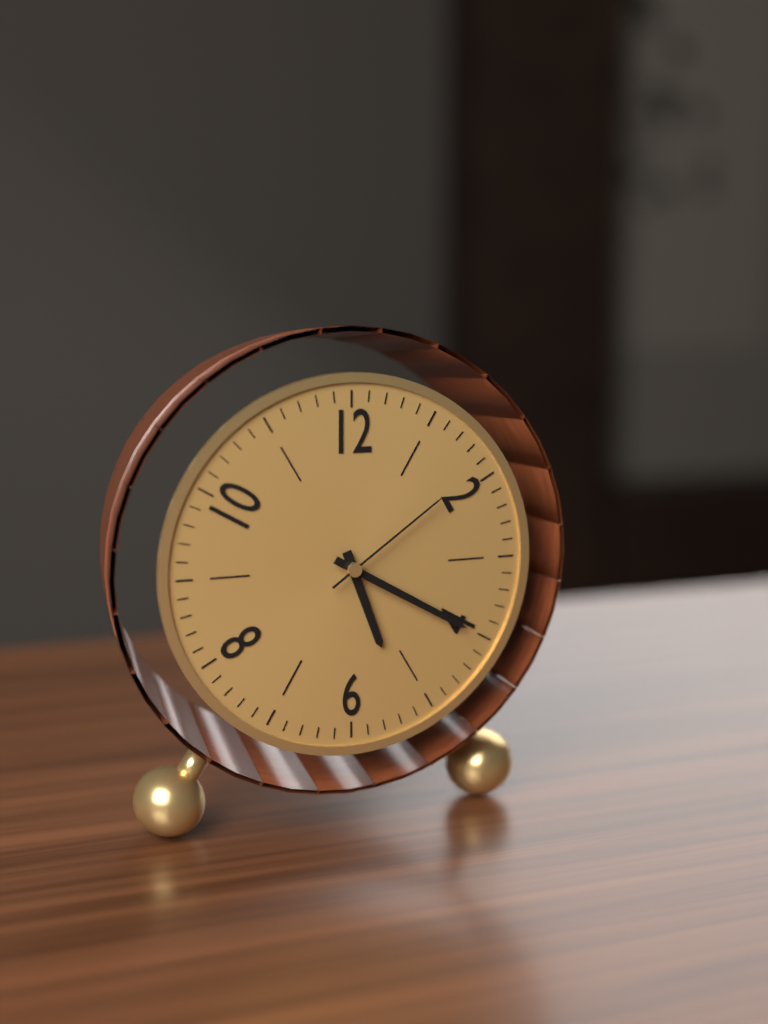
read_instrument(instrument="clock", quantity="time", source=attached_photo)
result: 5:20:09
